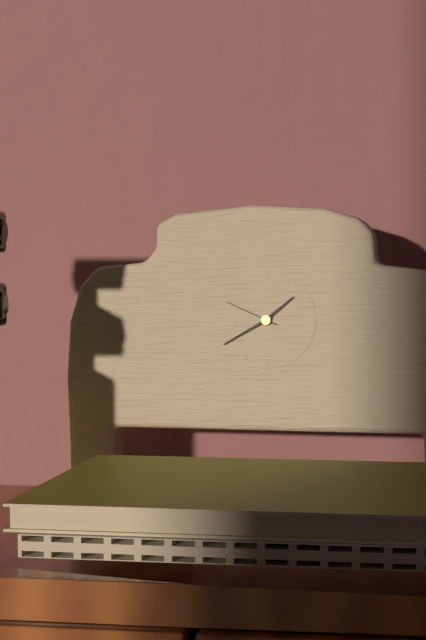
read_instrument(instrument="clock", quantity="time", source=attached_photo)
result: 1:40:49
